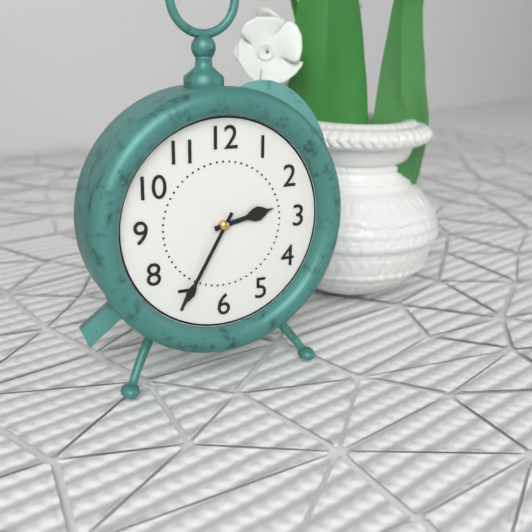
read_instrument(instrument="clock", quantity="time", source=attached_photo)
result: 2:35
